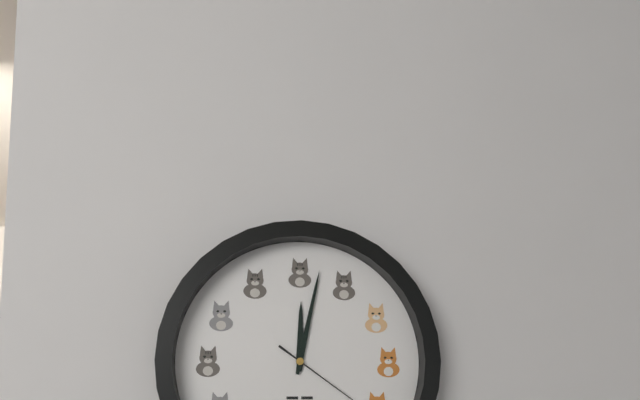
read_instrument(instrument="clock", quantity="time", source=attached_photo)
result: 12:02
